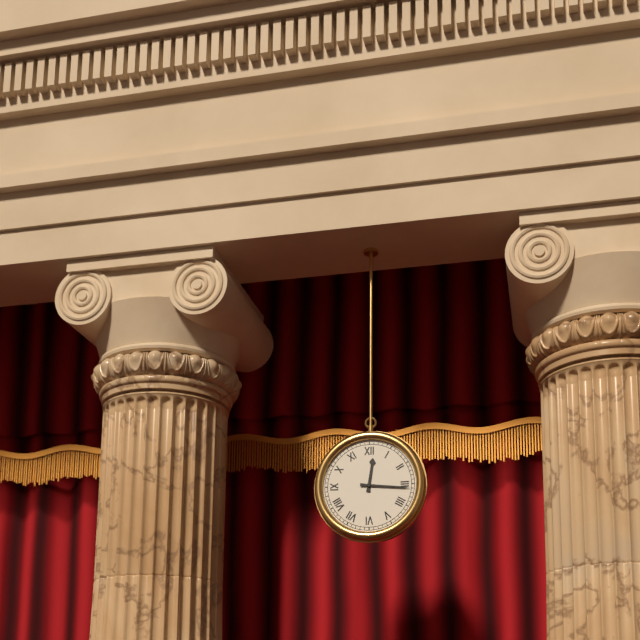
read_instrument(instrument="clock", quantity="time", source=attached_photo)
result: 12:16
